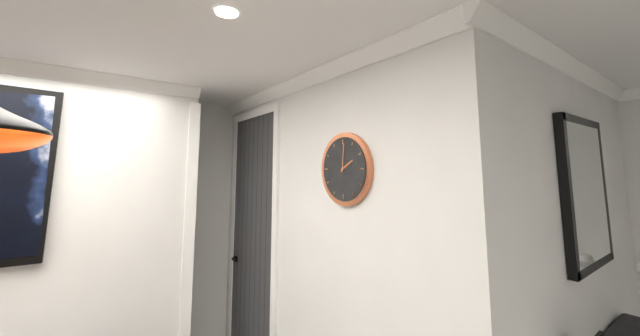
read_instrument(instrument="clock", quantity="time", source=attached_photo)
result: 2:01
